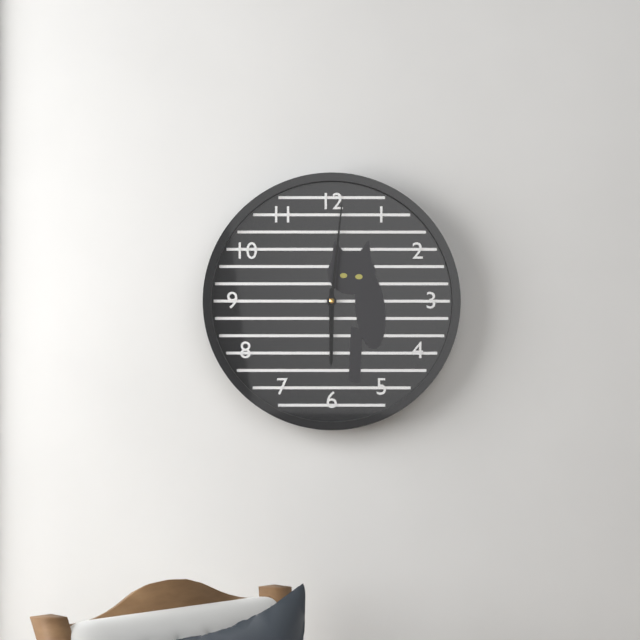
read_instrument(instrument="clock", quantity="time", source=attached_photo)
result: 6:01
